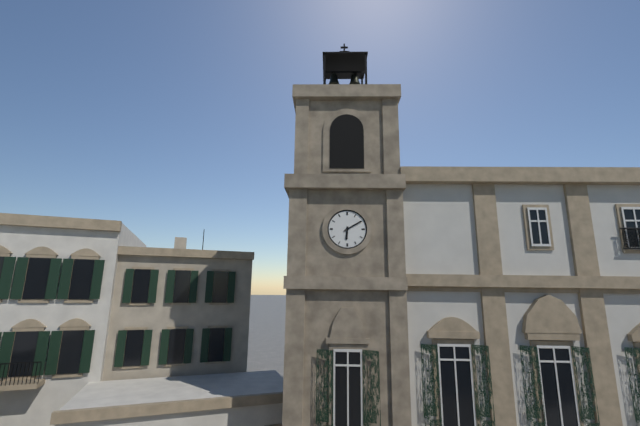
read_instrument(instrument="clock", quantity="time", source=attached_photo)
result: 6:10
